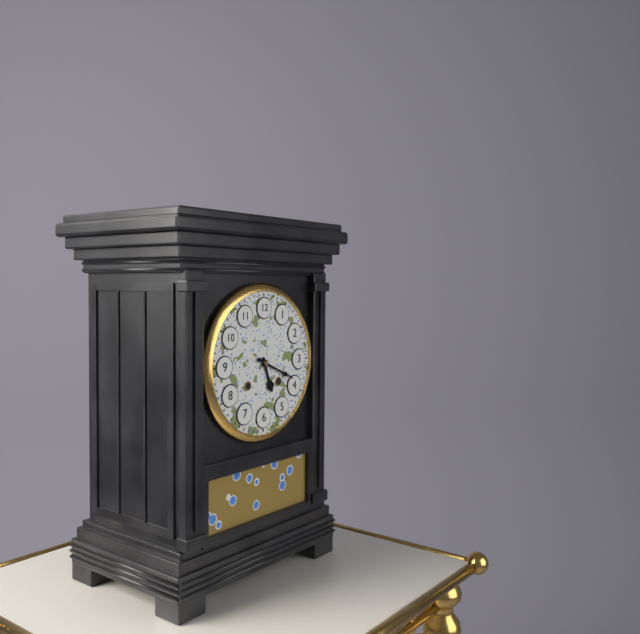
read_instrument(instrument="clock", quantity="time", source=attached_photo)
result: 5:19
